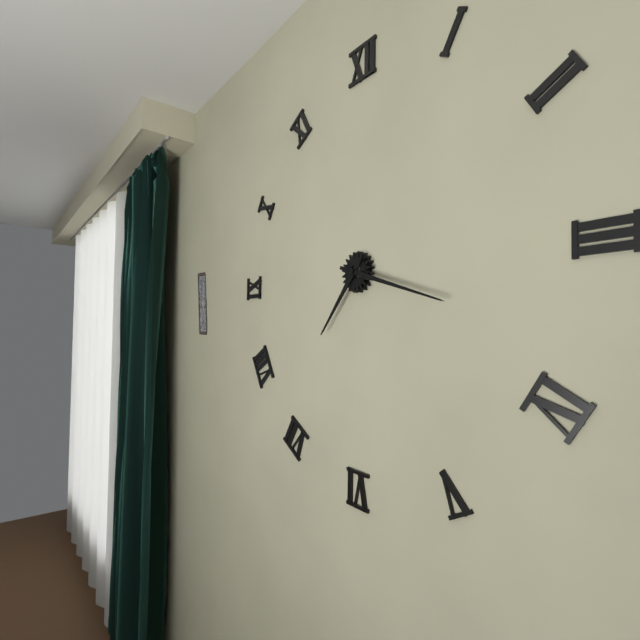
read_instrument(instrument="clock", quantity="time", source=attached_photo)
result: 7:18
